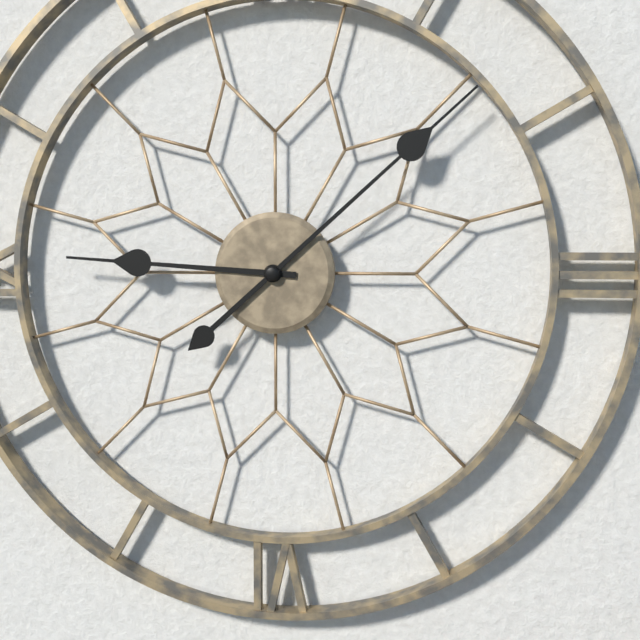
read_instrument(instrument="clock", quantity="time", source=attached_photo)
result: 9:08
